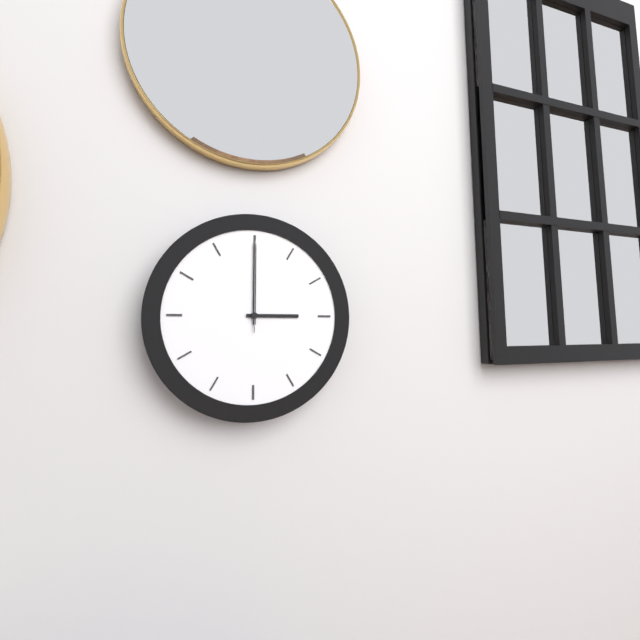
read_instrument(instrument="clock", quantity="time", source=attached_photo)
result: 3:00:00
